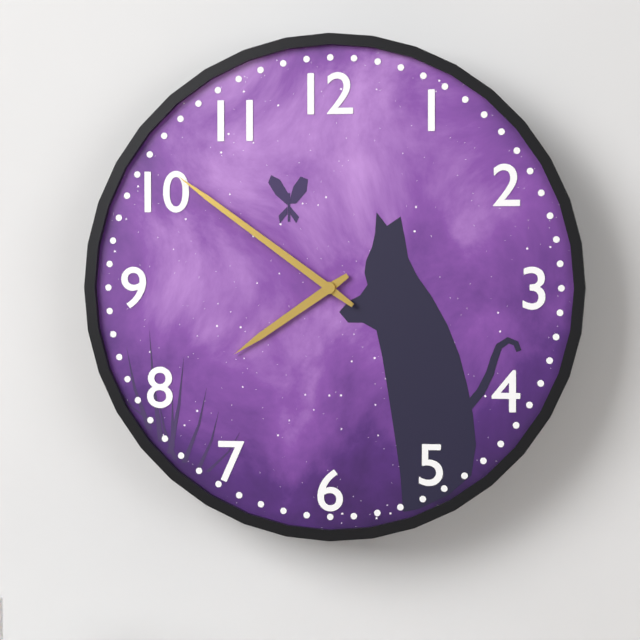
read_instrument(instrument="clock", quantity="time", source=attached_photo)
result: 7:51
